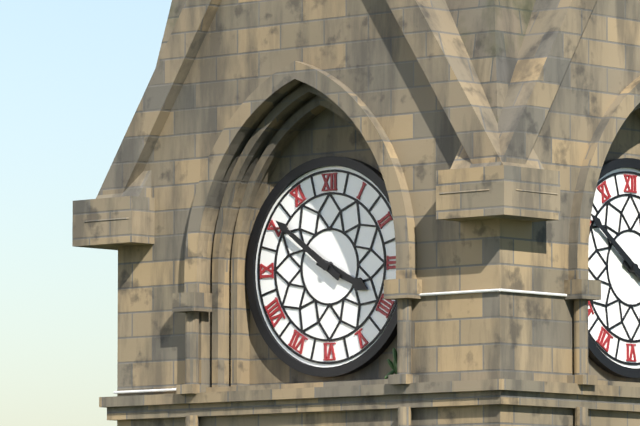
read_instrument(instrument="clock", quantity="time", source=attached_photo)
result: 3:51
